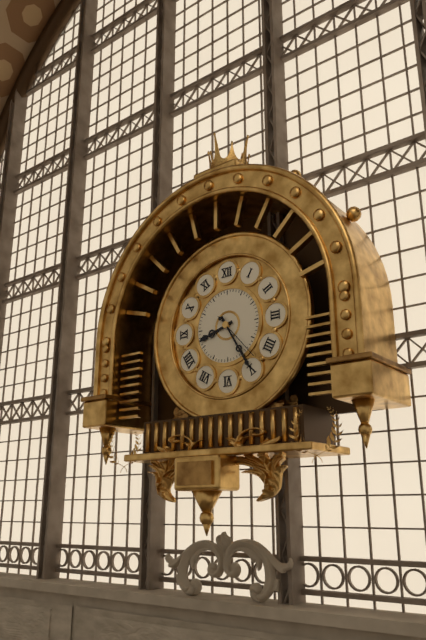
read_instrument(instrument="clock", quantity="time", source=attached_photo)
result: 8:25
